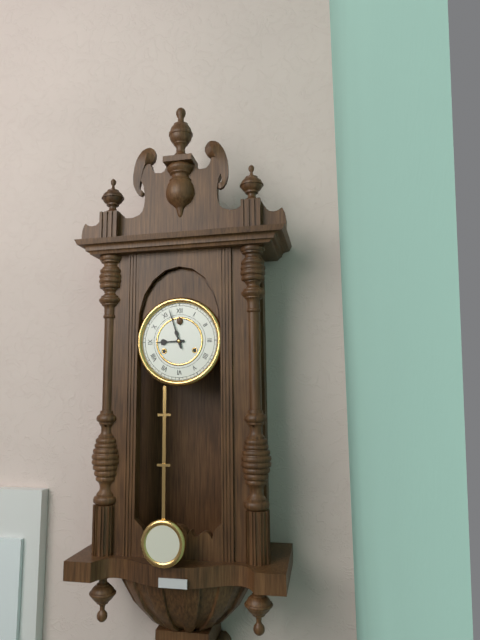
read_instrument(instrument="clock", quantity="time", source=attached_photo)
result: 8:57
